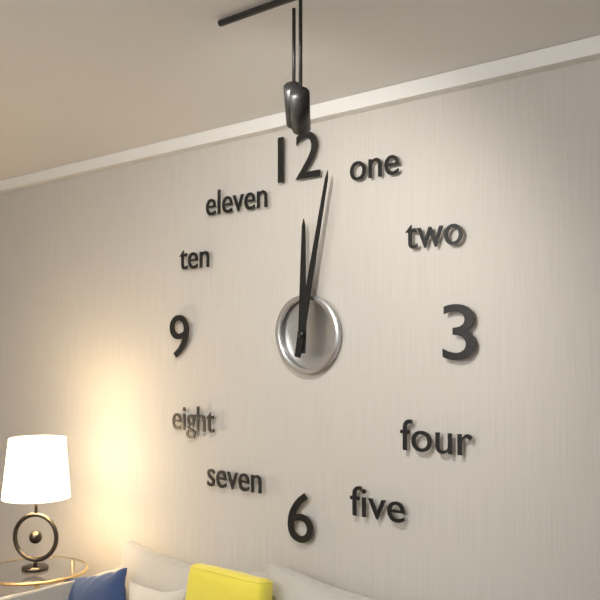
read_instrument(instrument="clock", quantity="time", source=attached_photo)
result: 12:02
